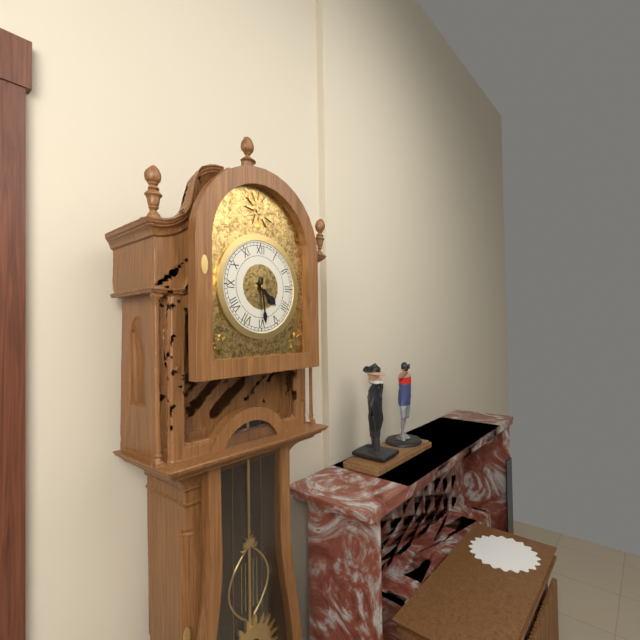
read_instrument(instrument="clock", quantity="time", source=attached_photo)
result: 4:29
